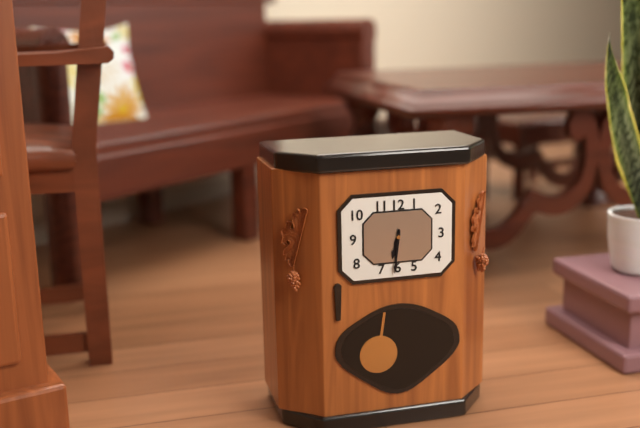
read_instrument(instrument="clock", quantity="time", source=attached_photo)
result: 6:31
